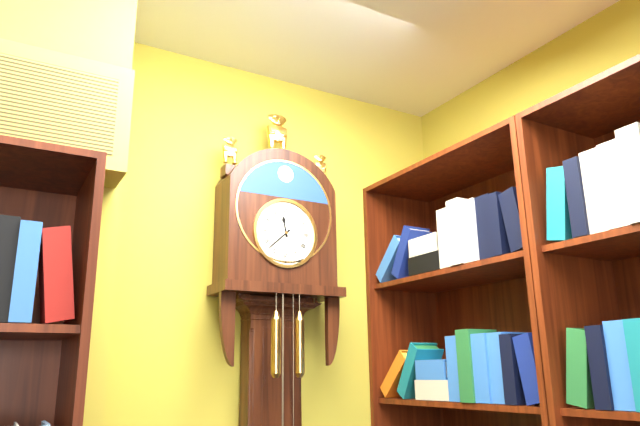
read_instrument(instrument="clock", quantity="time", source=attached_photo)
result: 11:38
